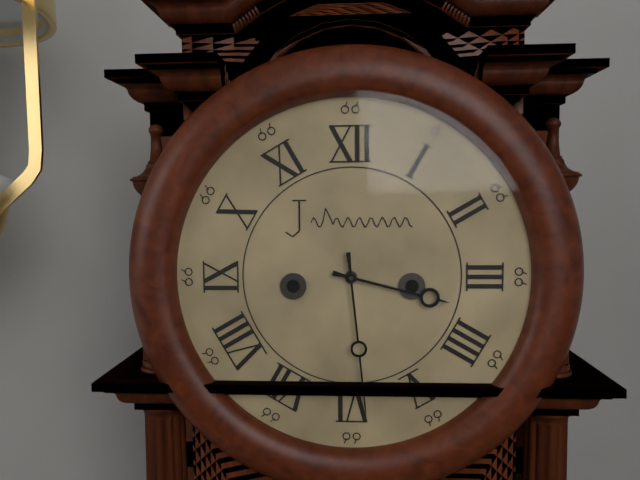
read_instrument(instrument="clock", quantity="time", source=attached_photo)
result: 3:29
